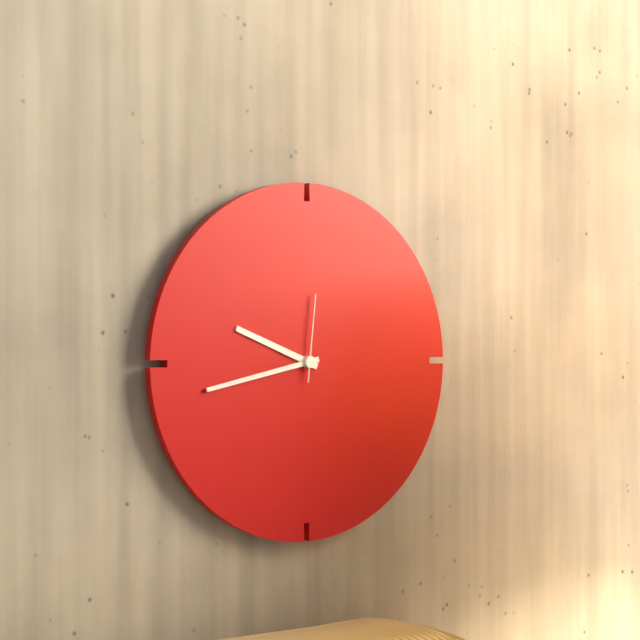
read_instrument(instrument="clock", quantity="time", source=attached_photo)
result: 9:43:01
